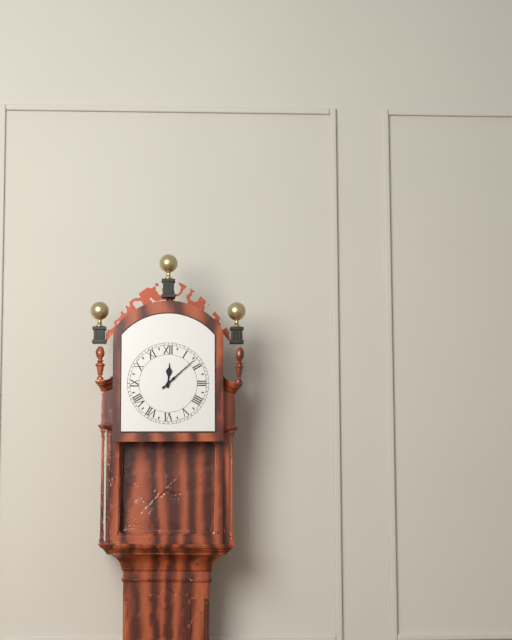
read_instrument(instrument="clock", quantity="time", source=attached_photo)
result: 12:08
